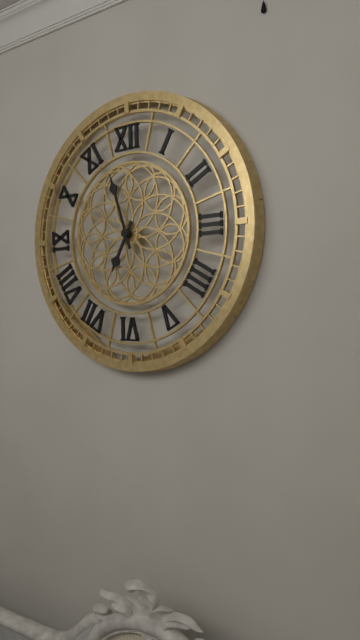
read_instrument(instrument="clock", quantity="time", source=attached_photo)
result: 6:57
